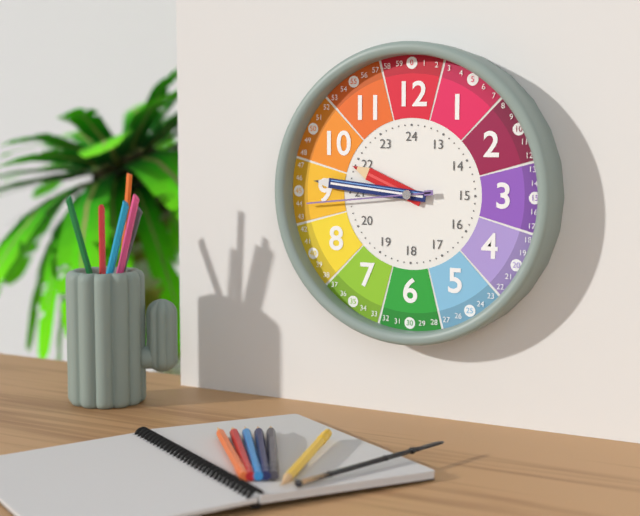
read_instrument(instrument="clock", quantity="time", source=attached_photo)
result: 9:46:44
